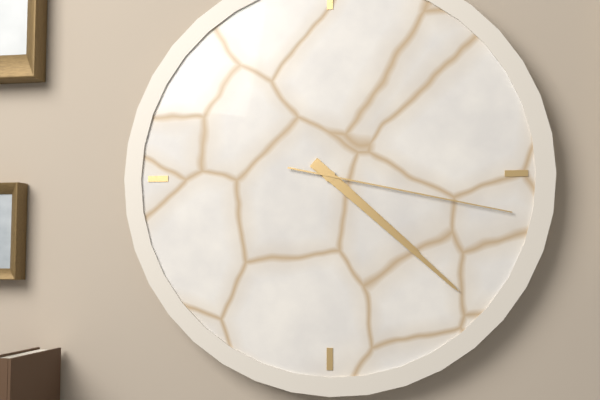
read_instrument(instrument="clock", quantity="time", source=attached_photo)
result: 4:22:17
